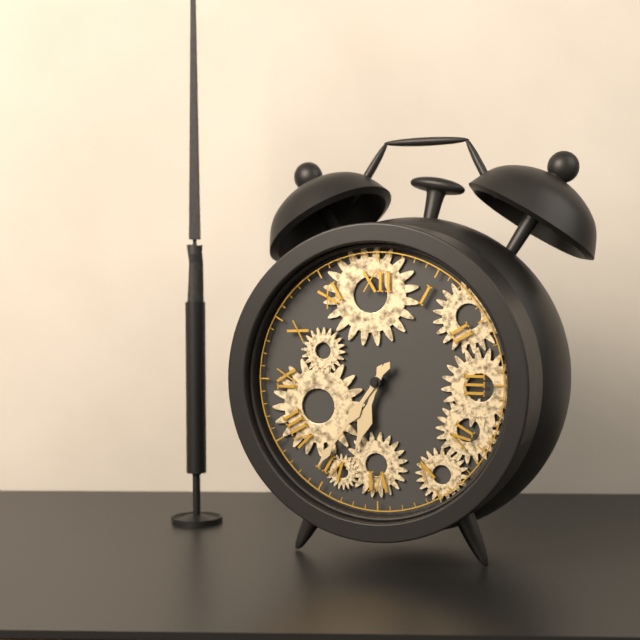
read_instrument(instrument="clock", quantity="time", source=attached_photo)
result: 6:36
